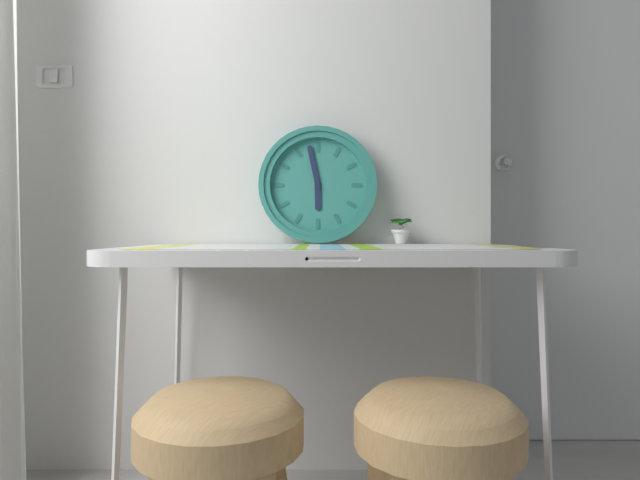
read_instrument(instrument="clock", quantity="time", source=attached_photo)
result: 5:58
